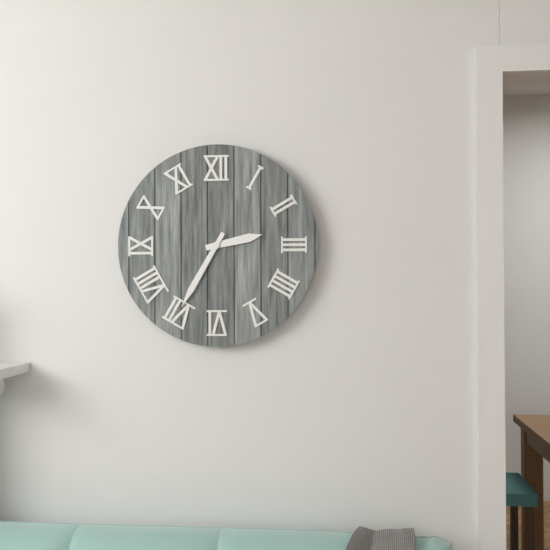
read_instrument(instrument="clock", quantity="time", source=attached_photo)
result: 2:35
